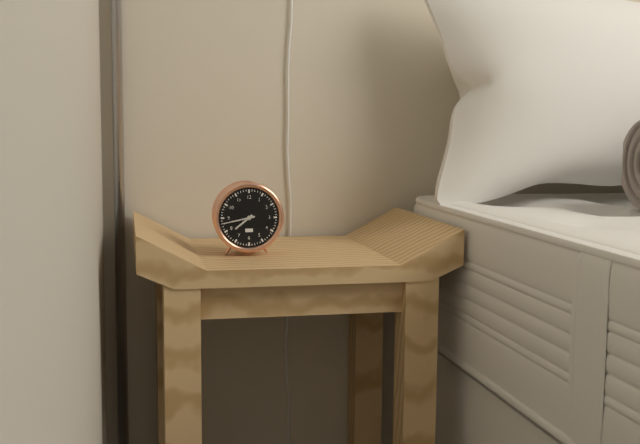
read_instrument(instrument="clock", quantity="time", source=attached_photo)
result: 7:43
